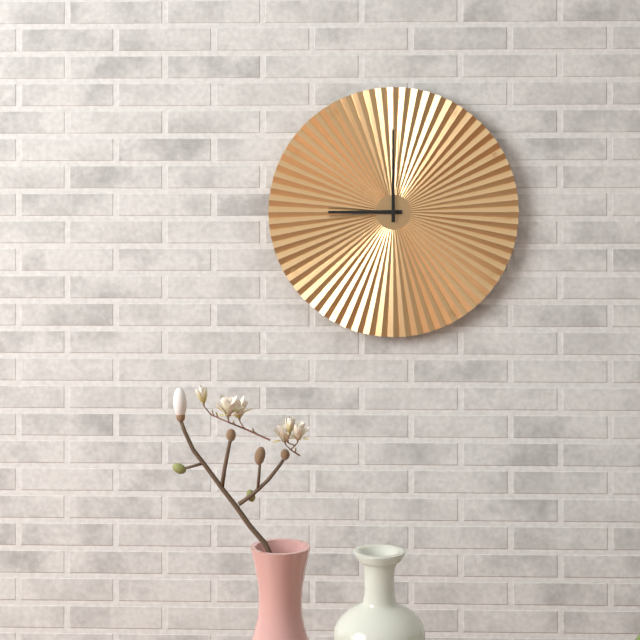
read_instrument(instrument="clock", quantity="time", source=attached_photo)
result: 9:00
